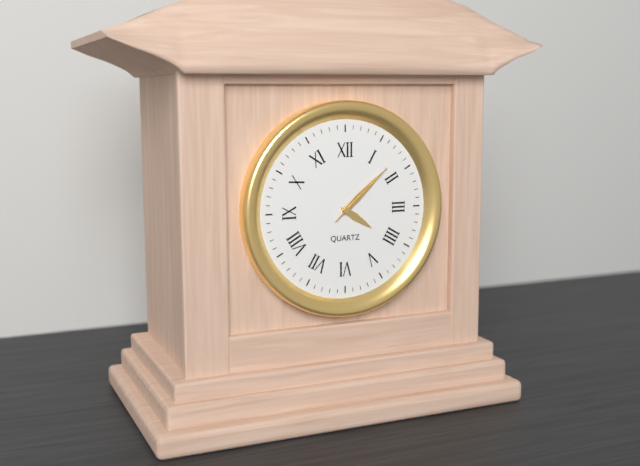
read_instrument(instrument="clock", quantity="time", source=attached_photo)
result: 4:08:08
